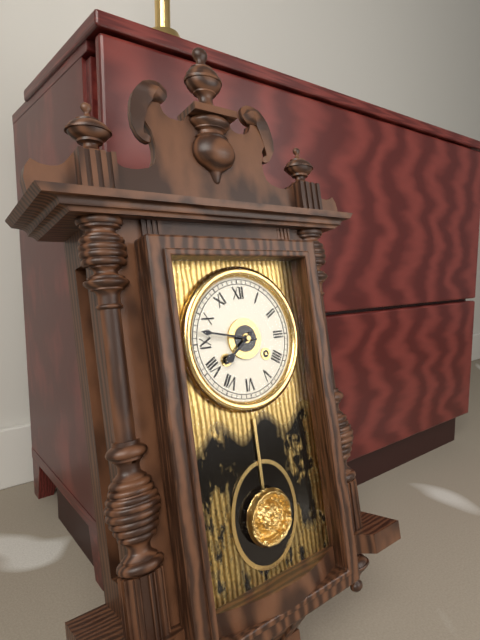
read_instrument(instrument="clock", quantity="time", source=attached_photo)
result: 7:47
